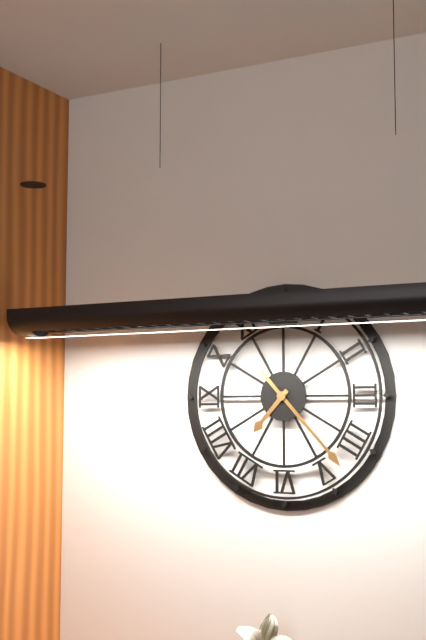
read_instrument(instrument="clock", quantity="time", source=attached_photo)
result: 7:23
